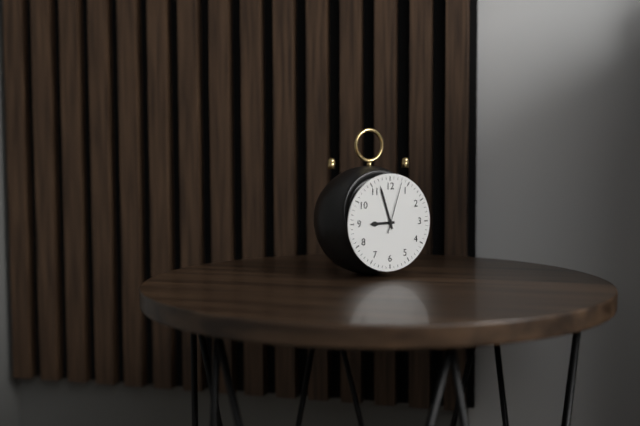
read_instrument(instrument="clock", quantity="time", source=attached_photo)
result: 8:57:03
